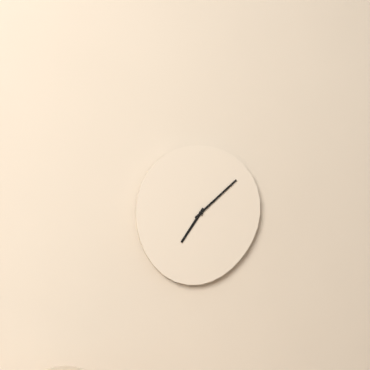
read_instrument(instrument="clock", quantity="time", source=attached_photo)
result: 7:08
